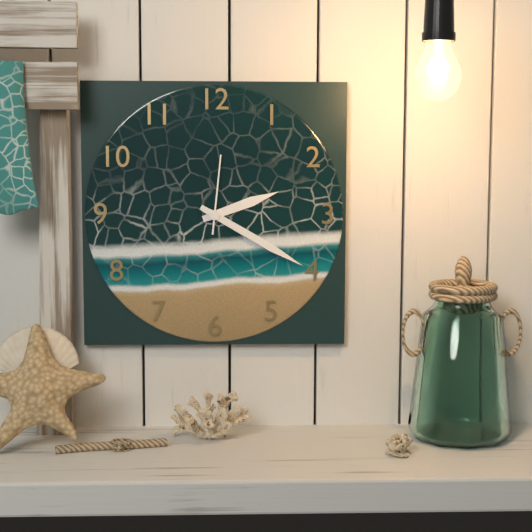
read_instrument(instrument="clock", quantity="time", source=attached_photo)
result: 2:20:01
